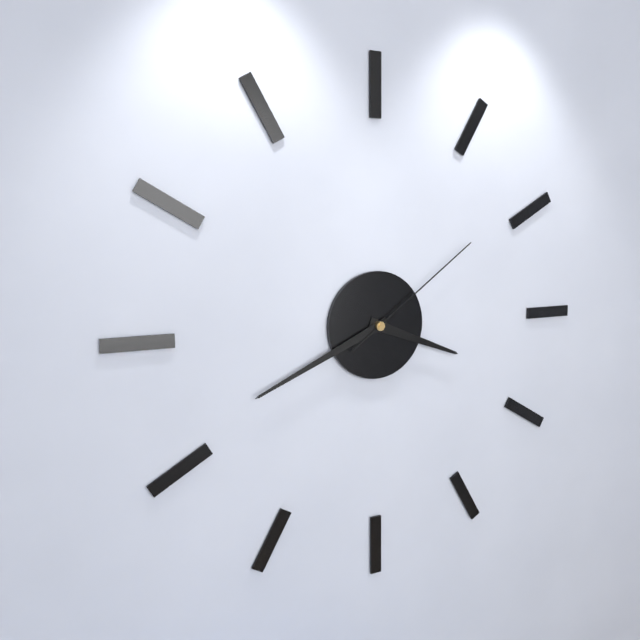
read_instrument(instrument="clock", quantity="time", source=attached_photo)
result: 3:41:09
